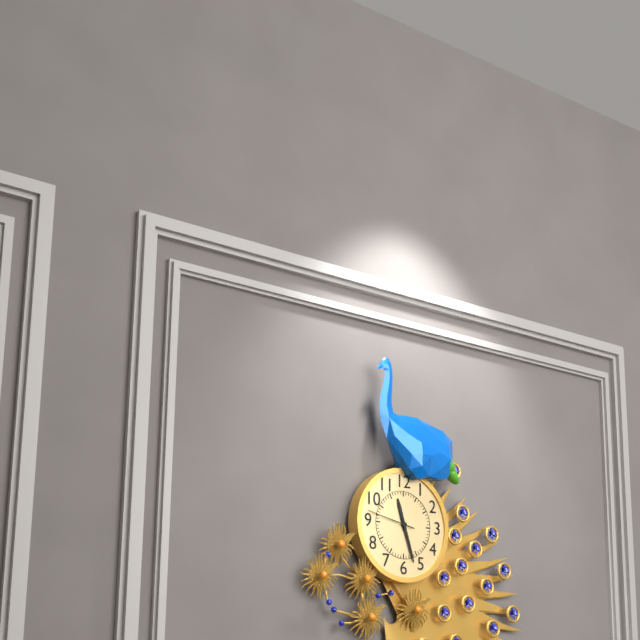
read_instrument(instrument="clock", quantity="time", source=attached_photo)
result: 11:27
